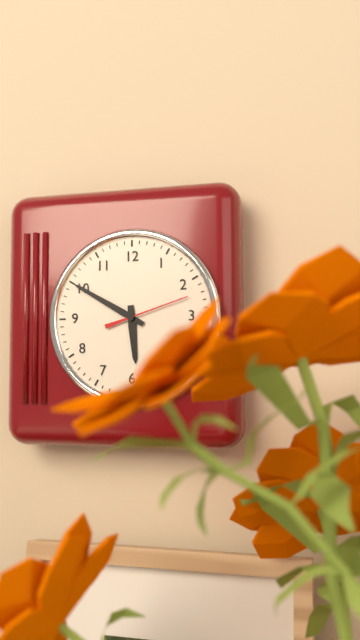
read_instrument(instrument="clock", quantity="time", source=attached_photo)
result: 5:50:12
